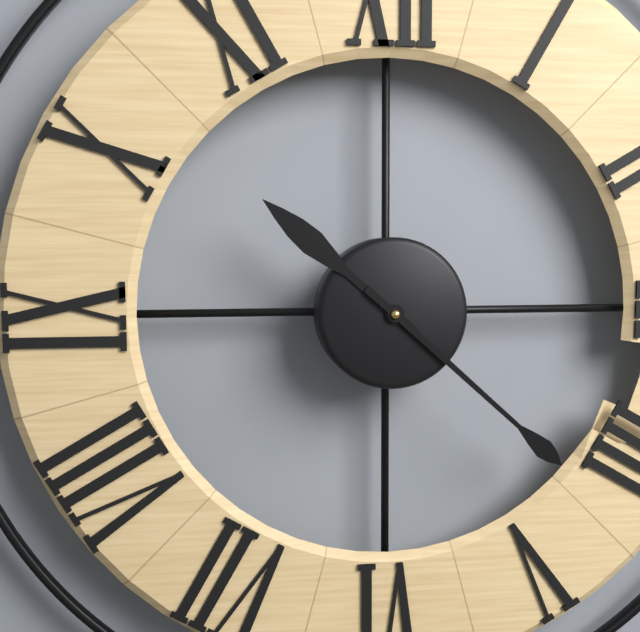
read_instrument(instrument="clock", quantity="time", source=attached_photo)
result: 10:22
